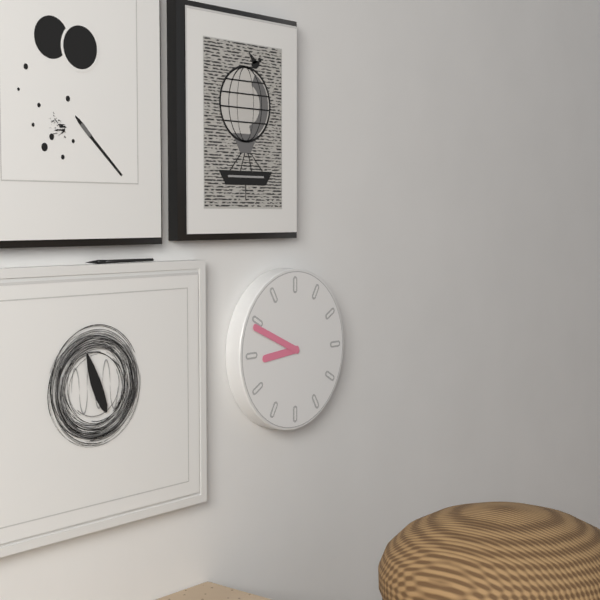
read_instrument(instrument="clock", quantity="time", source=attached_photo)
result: 8:49
